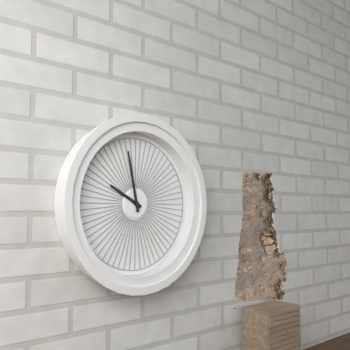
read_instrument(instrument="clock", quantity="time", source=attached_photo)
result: 9:58
